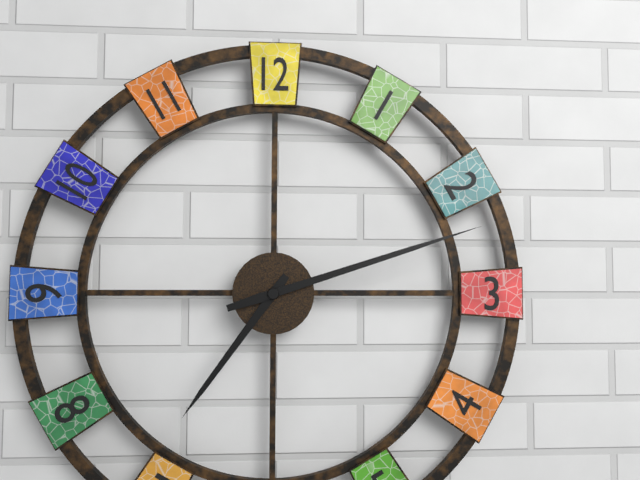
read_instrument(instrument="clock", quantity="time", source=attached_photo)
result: 7:12
